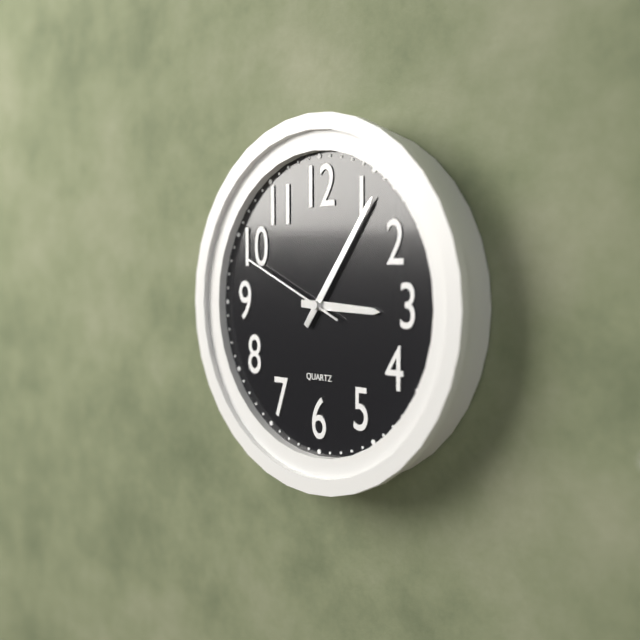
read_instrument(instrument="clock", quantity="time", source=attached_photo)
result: 3:06:49
